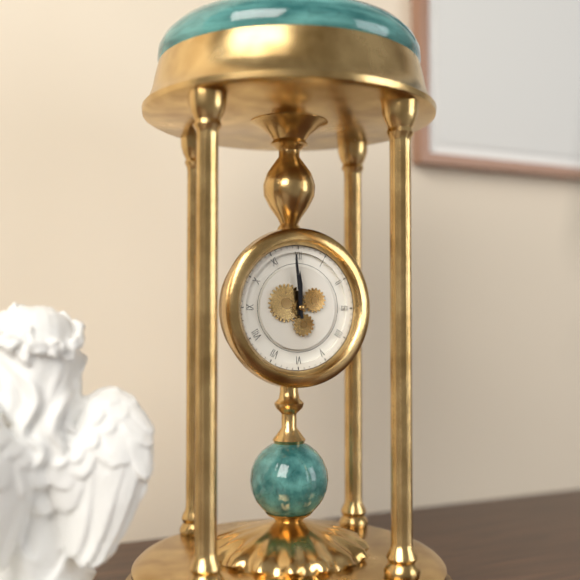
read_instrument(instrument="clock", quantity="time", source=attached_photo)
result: 11:59
